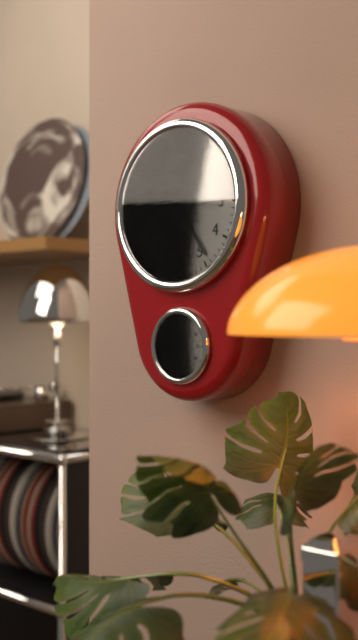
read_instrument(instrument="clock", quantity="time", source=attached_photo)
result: 9:24:15
